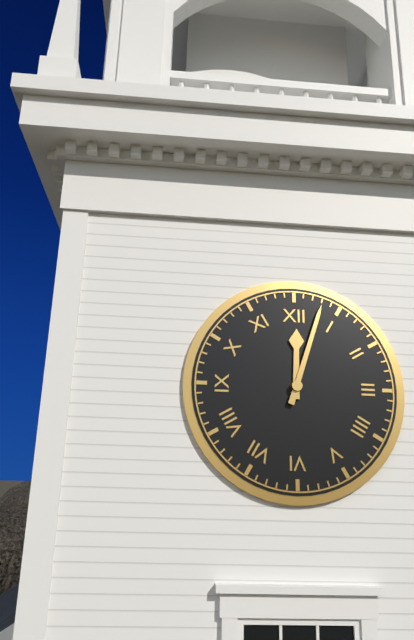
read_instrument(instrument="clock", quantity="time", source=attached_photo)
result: 12:03
